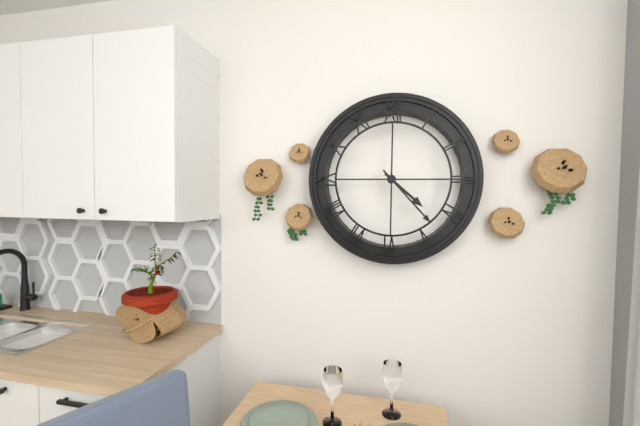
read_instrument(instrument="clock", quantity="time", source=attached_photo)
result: 4:23
